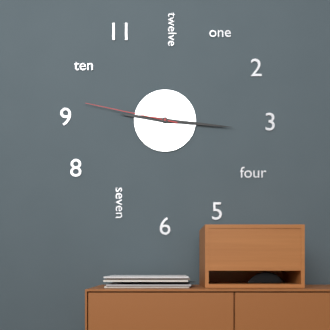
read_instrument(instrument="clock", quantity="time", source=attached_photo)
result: 9:16:47
